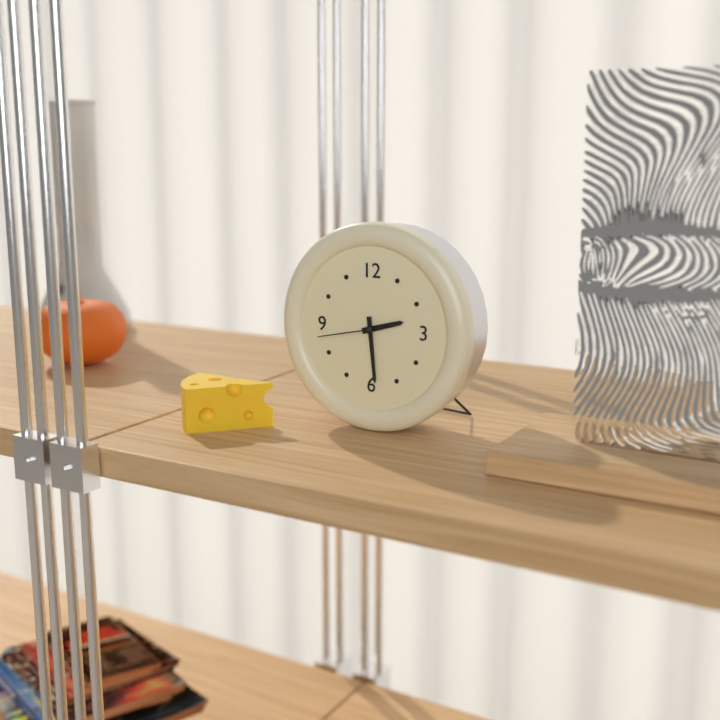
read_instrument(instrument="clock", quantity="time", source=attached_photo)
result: 2:29:43
